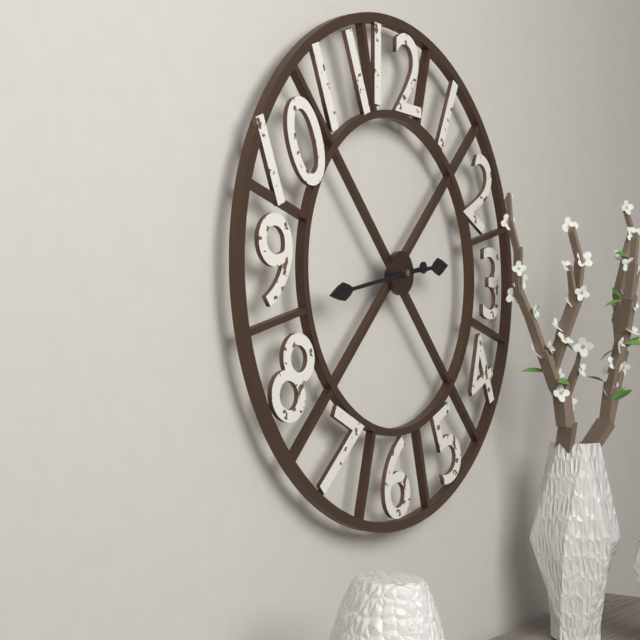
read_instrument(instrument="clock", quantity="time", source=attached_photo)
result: 2:43
